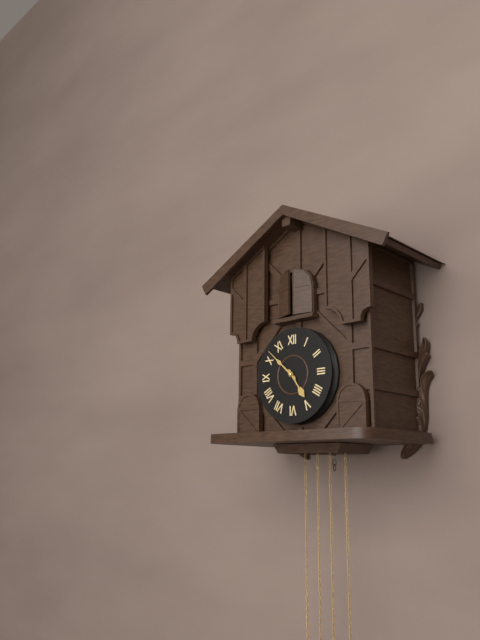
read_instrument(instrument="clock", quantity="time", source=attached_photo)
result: 4:52
